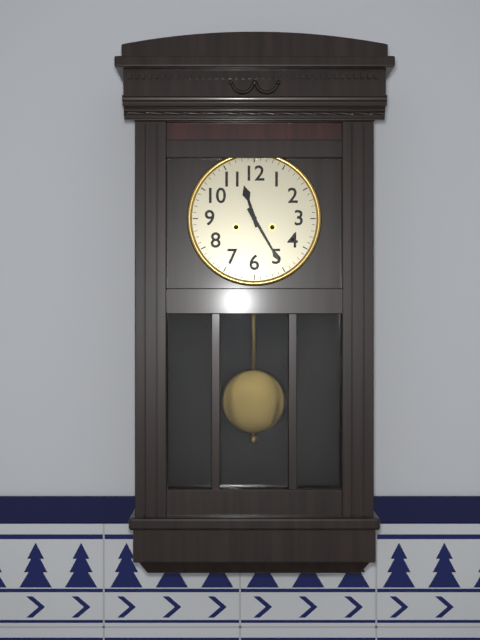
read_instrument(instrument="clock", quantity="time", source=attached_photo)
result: 11:25
